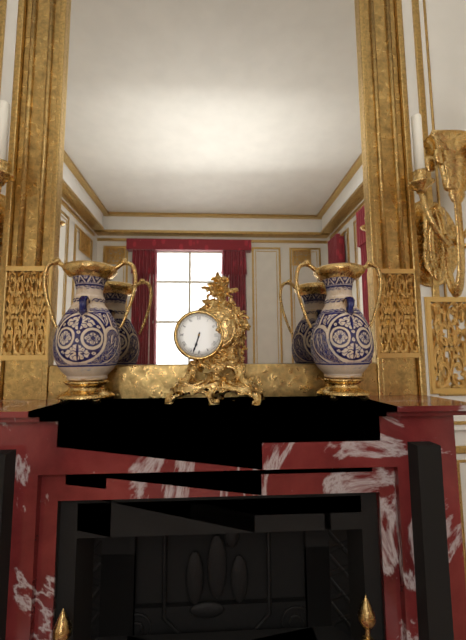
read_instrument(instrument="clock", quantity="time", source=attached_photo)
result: 6:33
